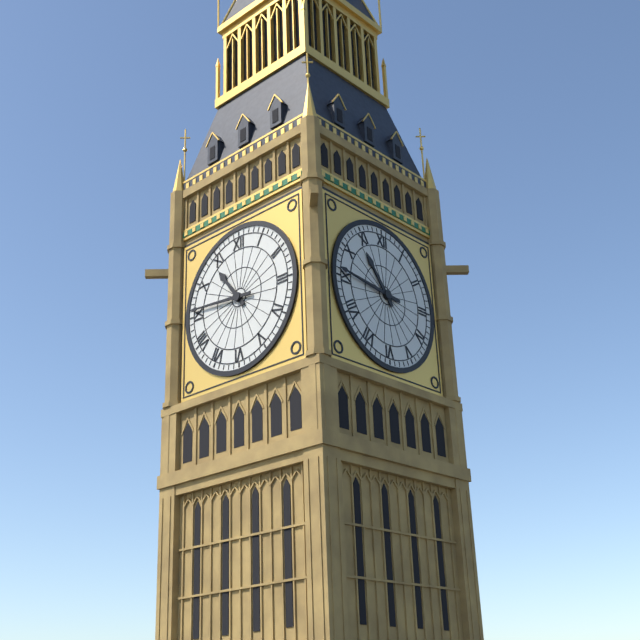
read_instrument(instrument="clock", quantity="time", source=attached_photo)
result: 10:46
